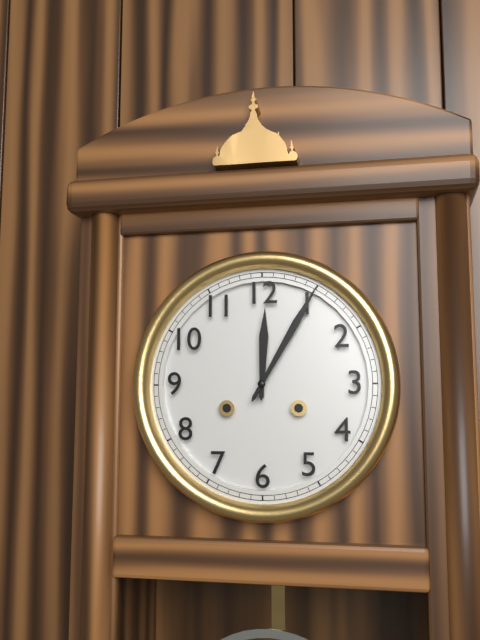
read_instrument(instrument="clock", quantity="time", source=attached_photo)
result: 12:05
